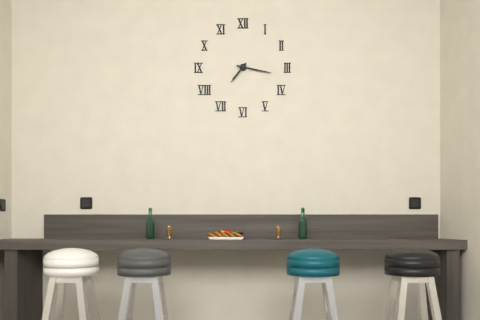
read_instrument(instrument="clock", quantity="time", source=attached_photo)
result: 7:17
